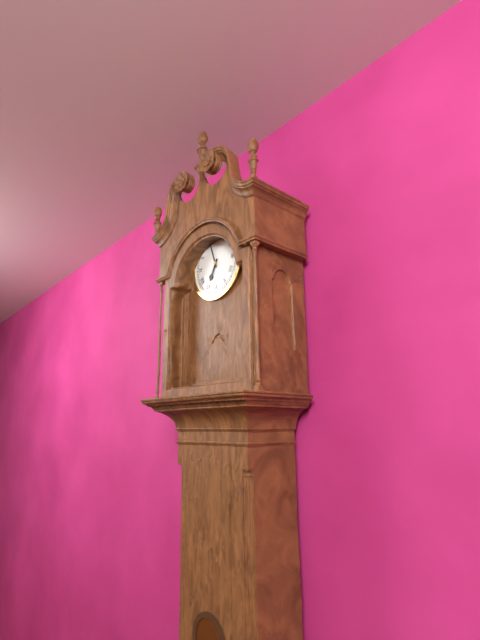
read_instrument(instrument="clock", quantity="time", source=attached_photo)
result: 6:57
